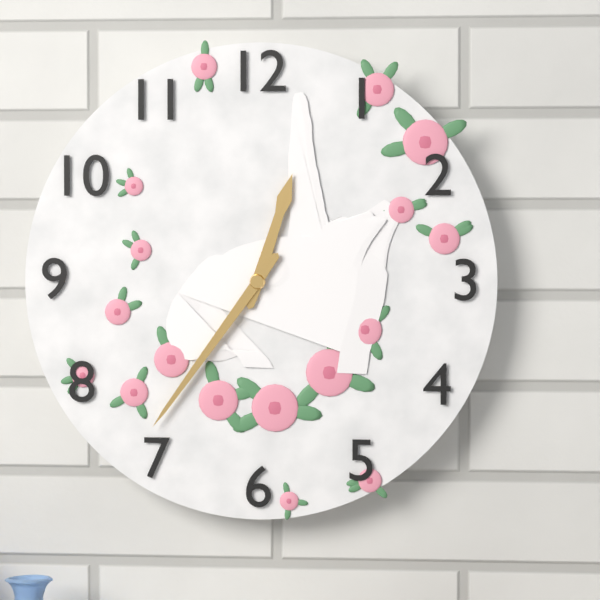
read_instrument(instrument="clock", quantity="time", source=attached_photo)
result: 12:36
